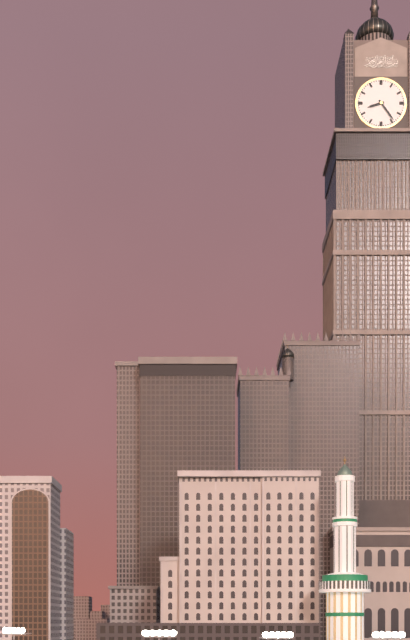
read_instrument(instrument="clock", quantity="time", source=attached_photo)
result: 8:24
